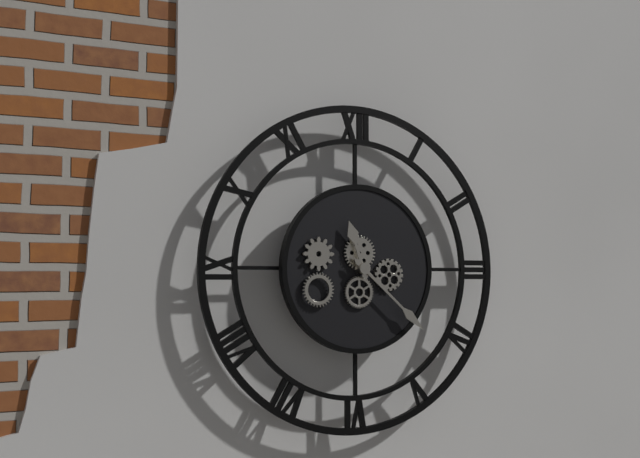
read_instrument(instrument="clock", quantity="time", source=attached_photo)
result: 11:22
